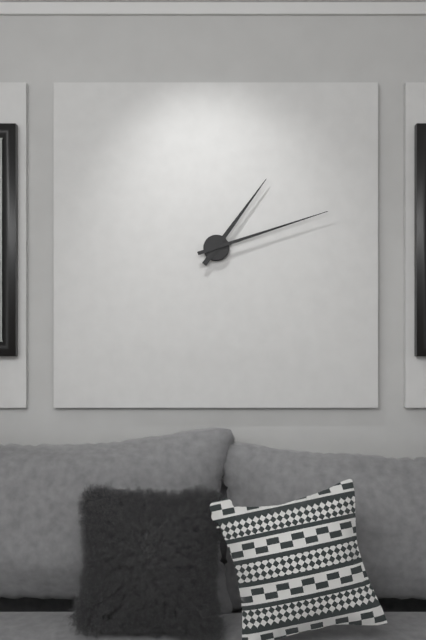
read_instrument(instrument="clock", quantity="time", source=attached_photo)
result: 1:12
